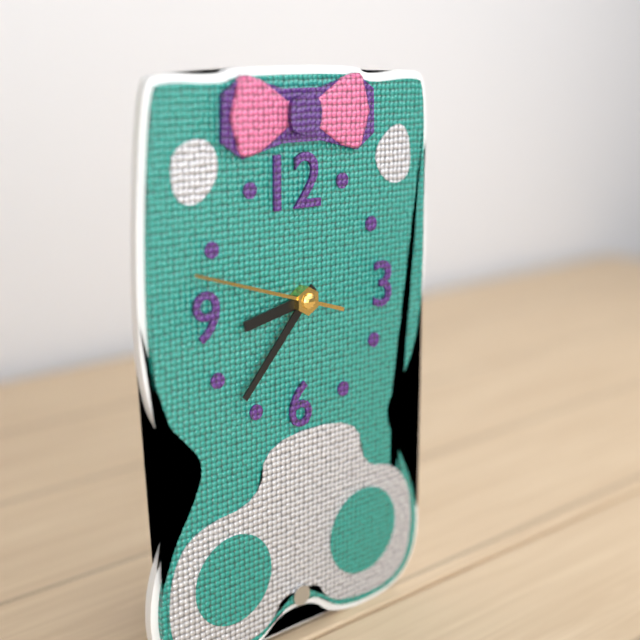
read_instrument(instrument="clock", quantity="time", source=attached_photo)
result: 8:37:48
